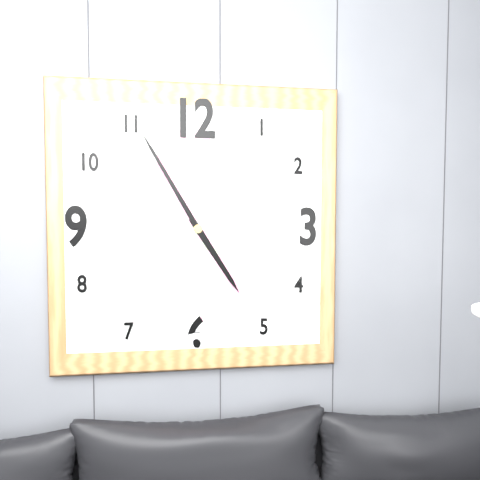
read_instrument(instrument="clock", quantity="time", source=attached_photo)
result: 4:55
